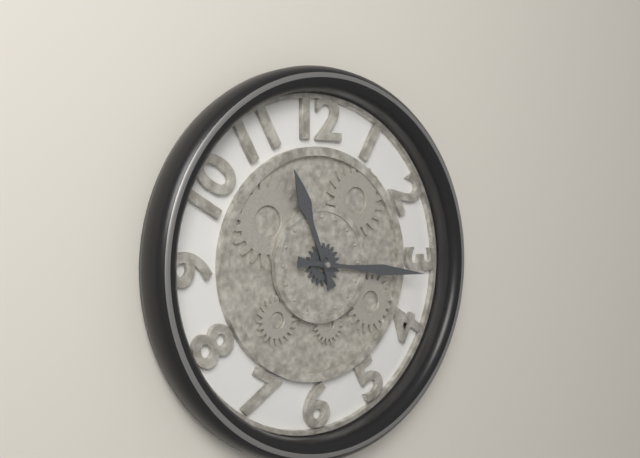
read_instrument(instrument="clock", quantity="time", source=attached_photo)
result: 11:16
